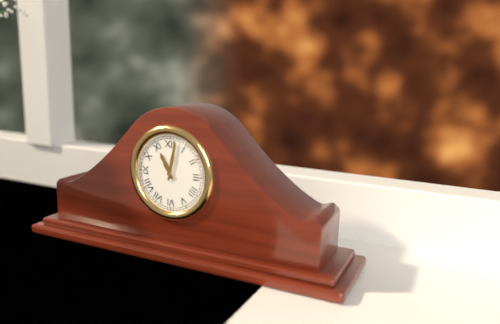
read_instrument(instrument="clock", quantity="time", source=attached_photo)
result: 11:02
